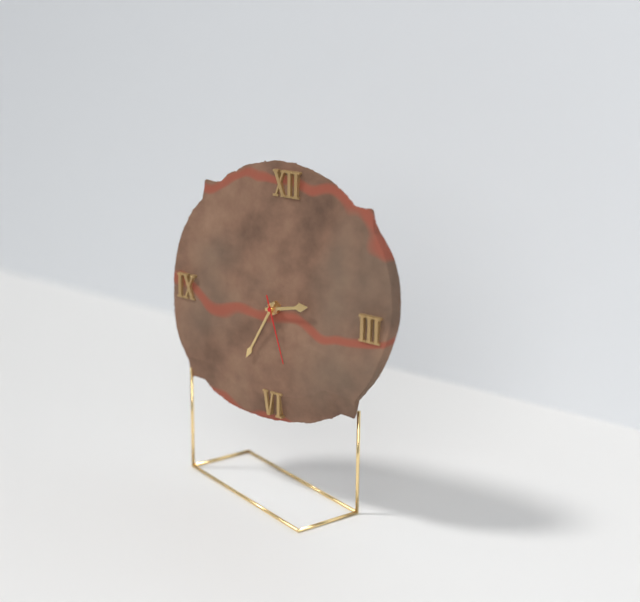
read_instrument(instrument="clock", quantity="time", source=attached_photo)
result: 2:35:27
